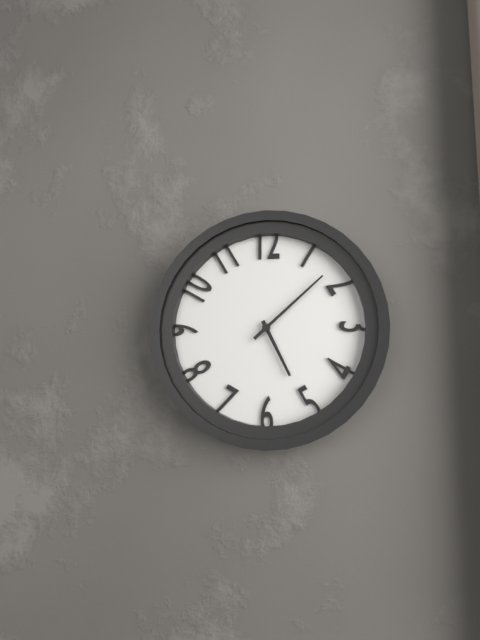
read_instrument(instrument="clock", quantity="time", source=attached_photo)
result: 5:08
